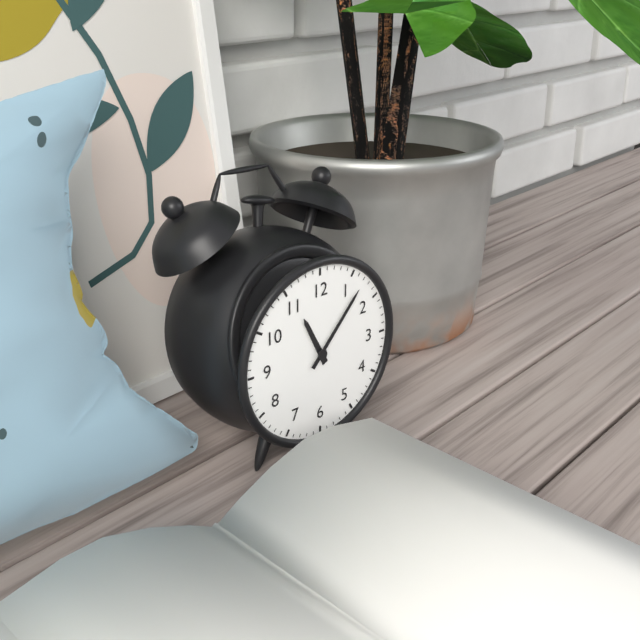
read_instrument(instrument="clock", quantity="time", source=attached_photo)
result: 11:07
